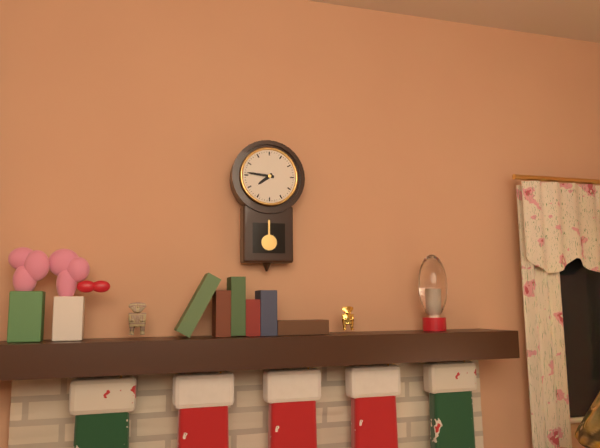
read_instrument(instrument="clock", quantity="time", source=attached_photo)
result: 7:46
